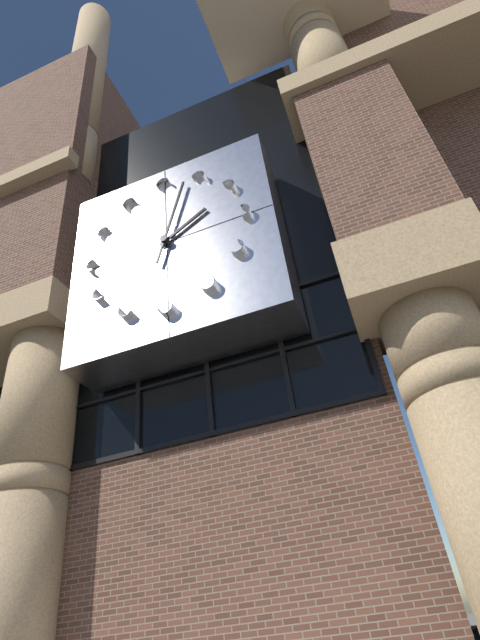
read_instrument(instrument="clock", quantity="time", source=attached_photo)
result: 2:03
